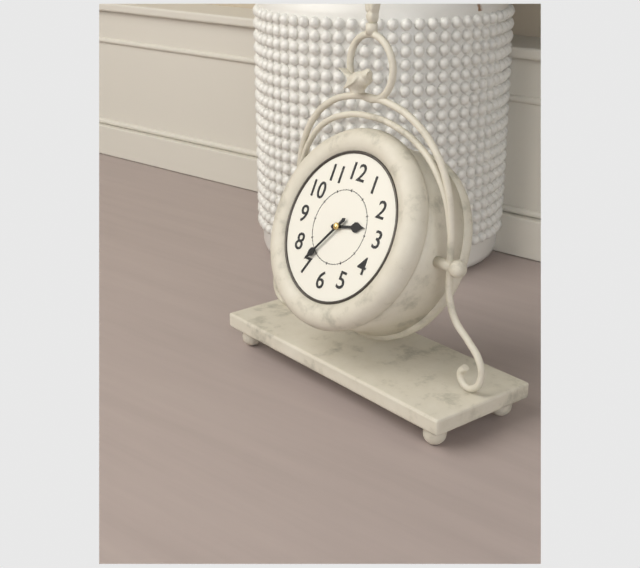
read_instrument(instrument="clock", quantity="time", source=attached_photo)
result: 2:36
